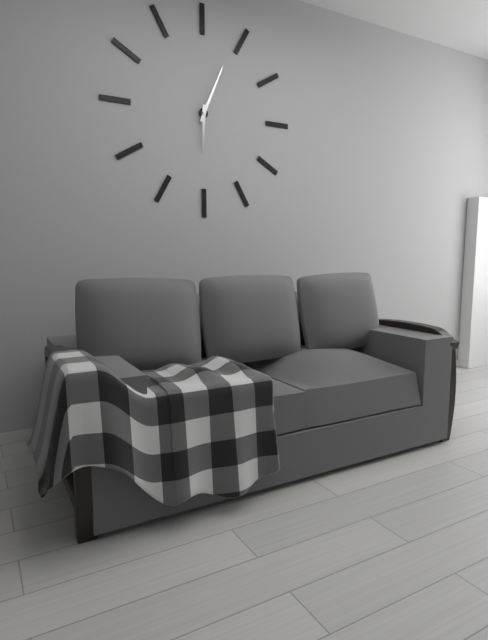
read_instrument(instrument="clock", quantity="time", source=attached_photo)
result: 6:04
